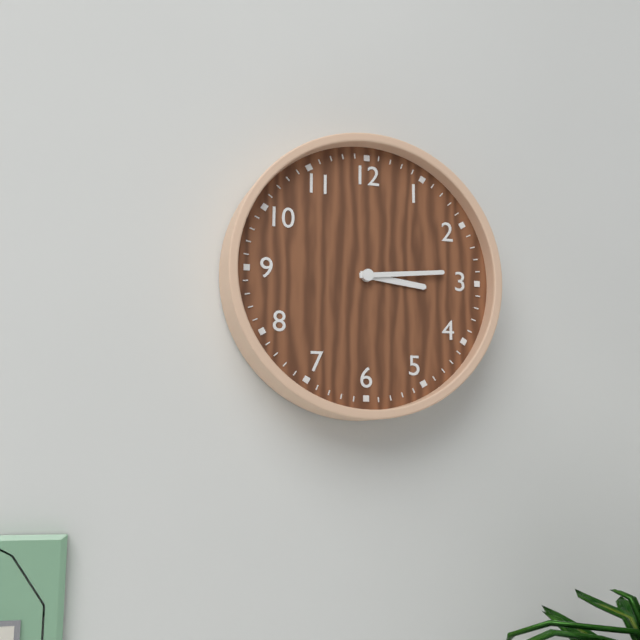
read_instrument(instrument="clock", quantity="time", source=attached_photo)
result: 3:14
